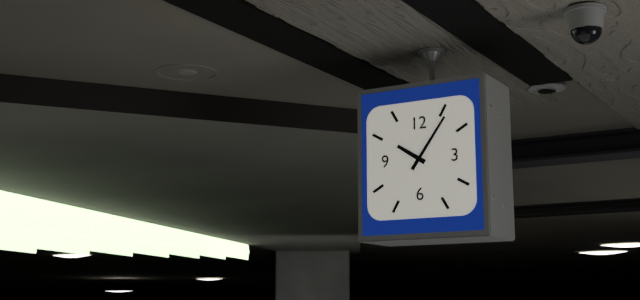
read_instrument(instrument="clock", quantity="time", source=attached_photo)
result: 10:06
